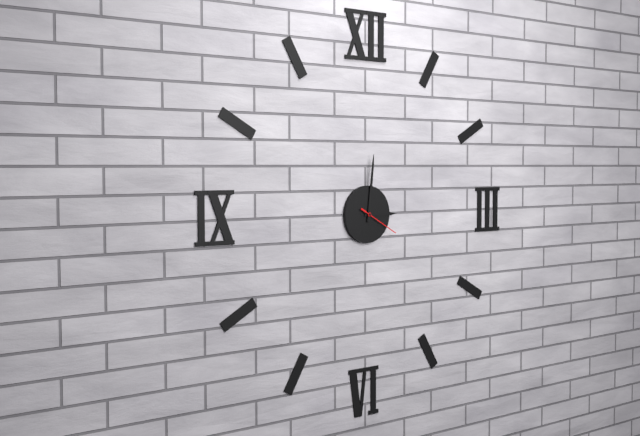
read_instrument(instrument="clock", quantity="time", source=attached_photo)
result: 3:01
